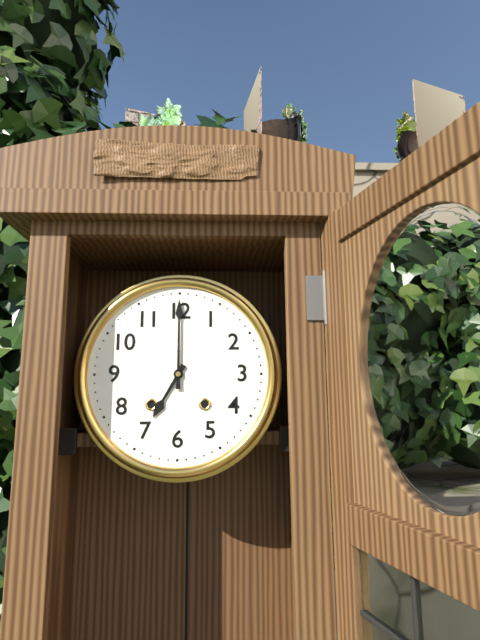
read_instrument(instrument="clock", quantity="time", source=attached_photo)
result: 7:00
